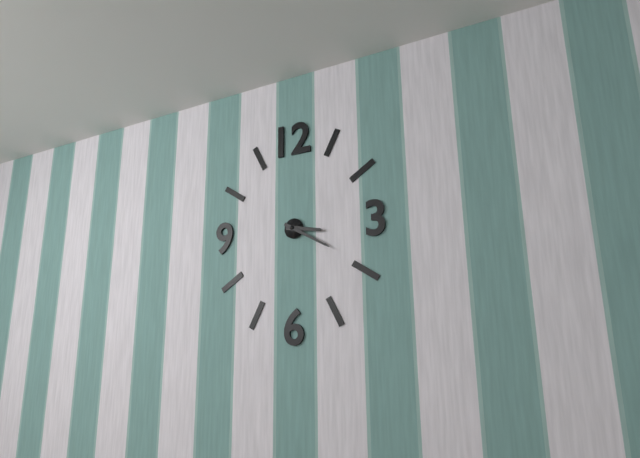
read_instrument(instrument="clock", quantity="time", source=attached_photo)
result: 3:20
